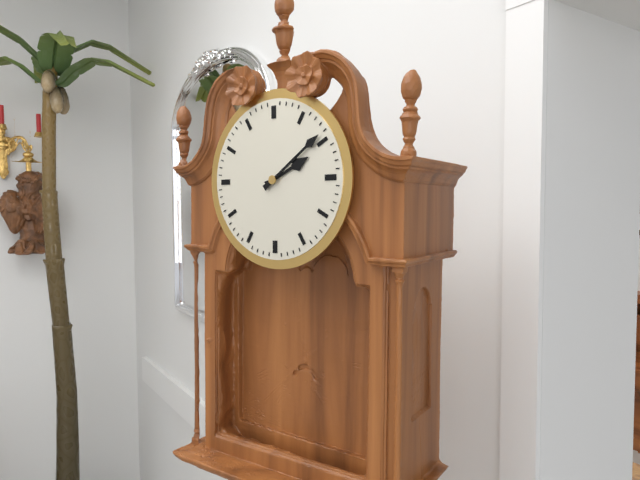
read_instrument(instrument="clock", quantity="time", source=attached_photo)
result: 2:09
